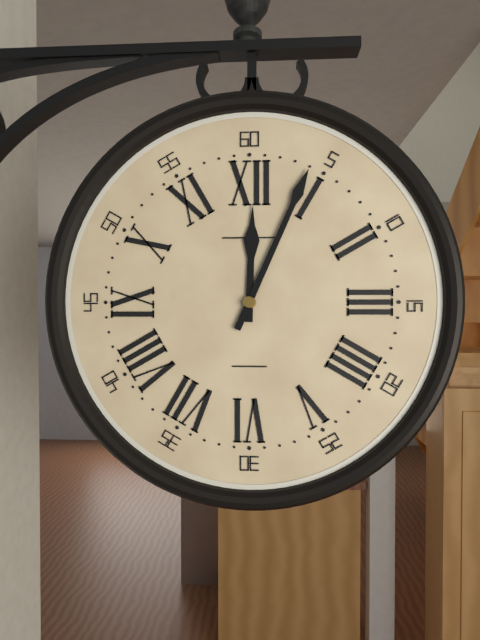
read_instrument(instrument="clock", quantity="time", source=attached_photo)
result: 12:04
